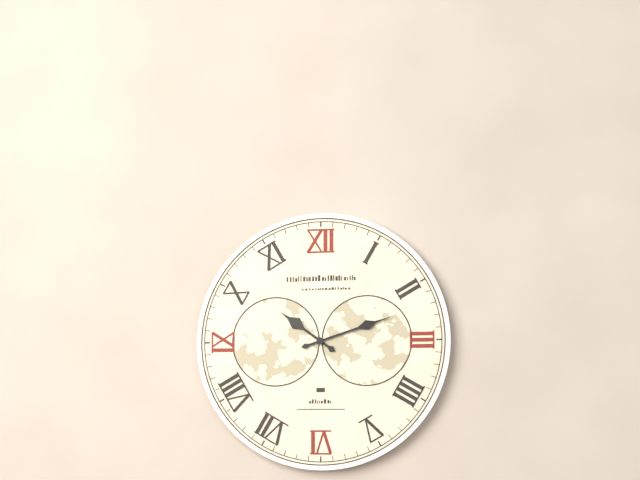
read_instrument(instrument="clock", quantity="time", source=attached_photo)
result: 10:12
